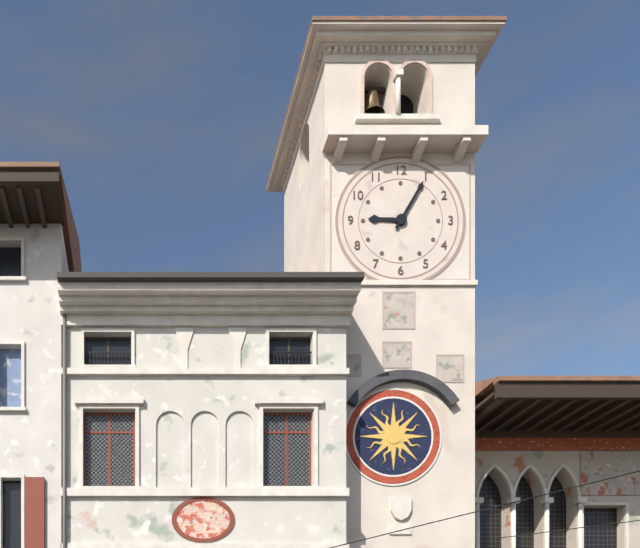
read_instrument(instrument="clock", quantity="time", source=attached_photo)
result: 9:05
